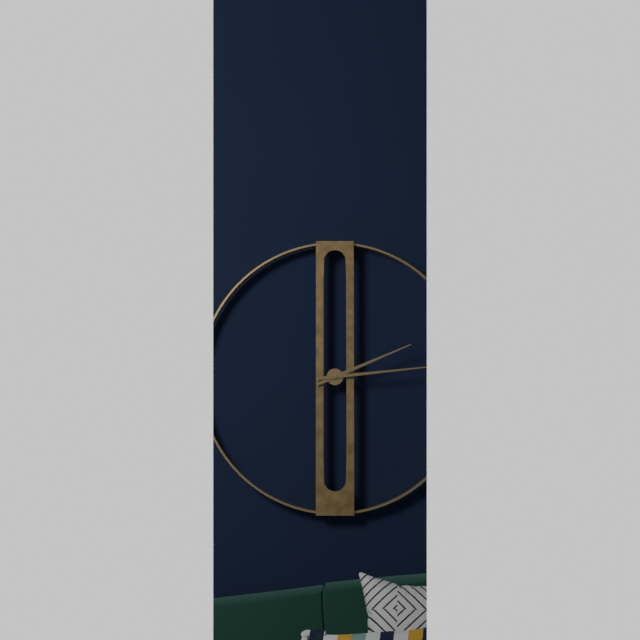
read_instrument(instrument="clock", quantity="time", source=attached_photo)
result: 2:14
